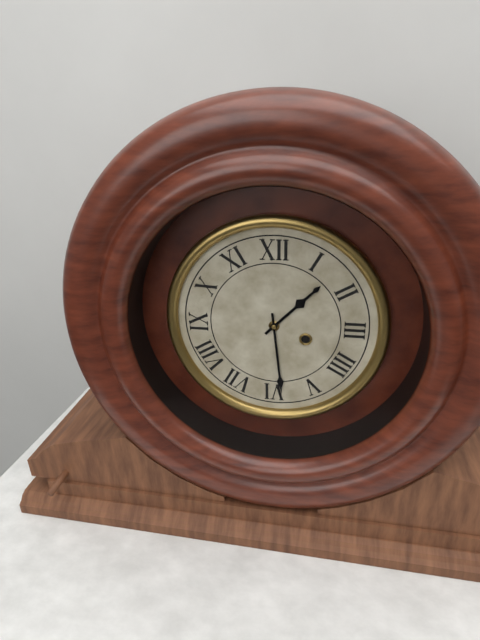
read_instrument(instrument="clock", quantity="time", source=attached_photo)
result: 1:29
